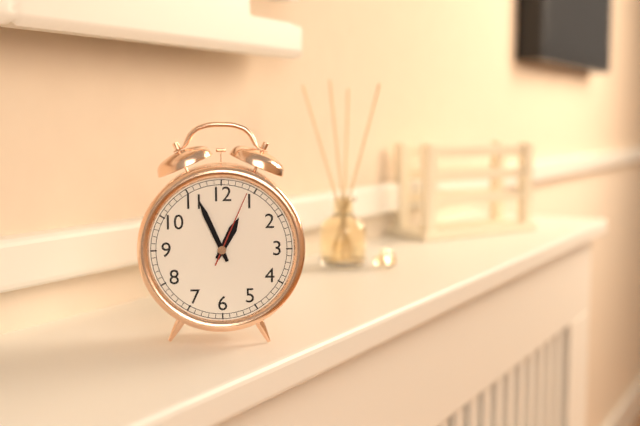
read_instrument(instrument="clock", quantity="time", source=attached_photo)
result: 12:56:04
